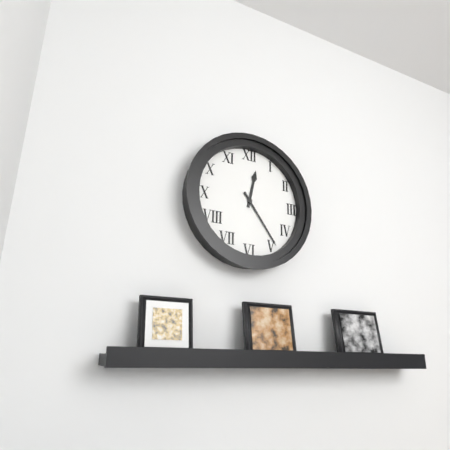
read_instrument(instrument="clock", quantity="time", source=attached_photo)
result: 12:24
